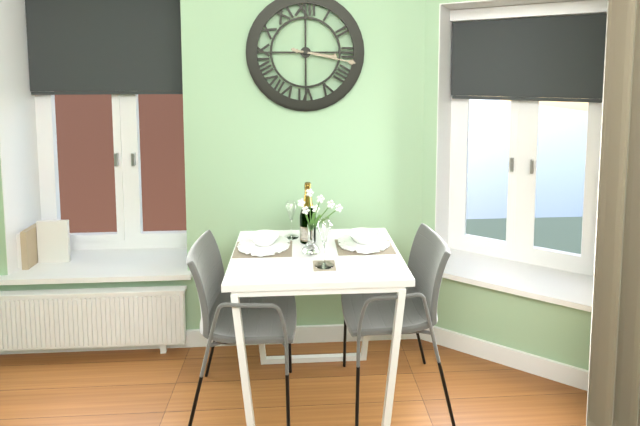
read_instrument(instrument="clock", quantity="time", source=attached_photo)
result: 3:17
